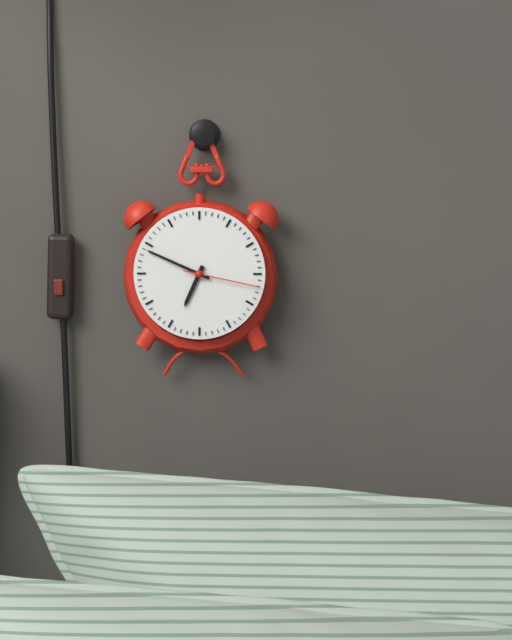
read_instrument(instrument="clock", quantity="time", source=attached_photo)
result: 6:49:17
